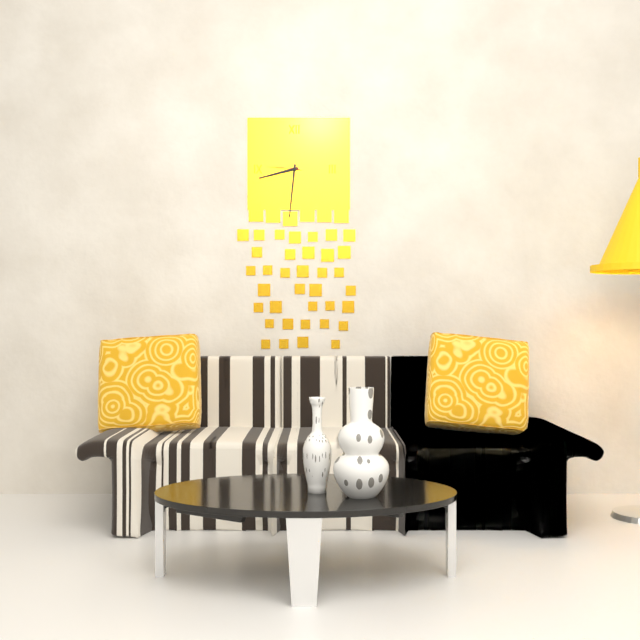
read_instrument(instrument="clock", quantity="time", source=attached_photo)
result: 8:31
